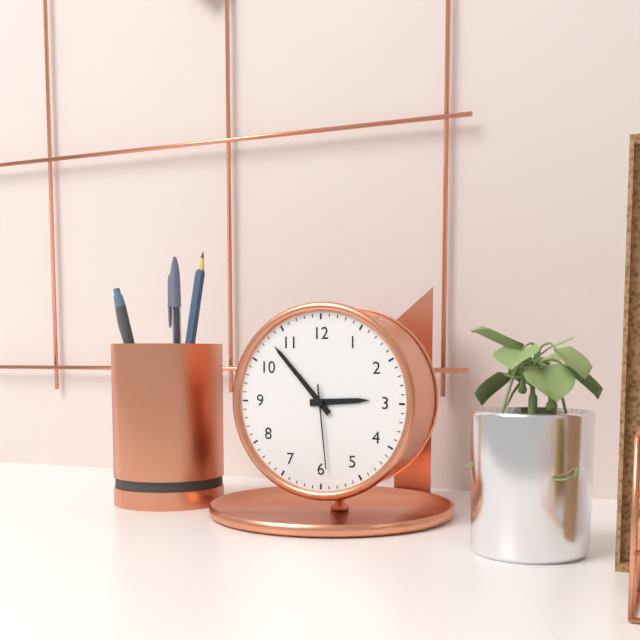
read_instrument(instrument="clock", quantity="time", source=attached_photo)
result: 2:53:29
